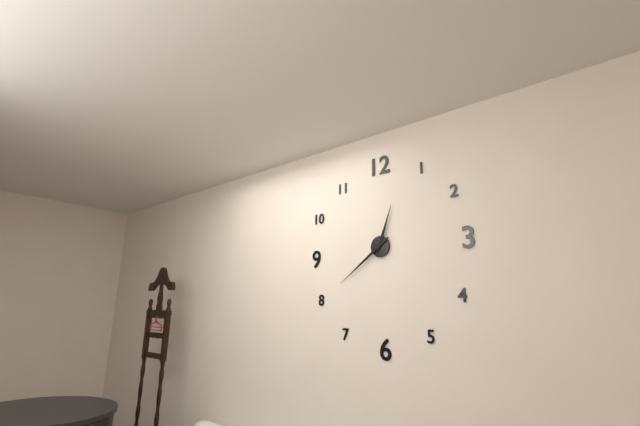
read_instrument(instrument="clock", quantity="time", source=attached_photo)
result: 12:39
